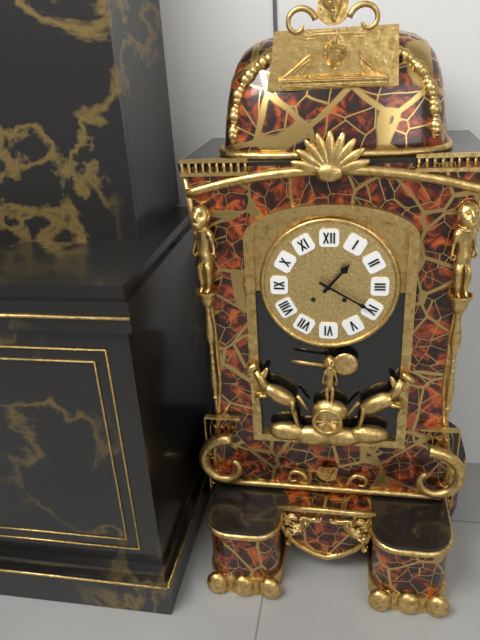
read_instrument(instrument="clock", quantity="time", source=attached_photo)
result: 1:20
